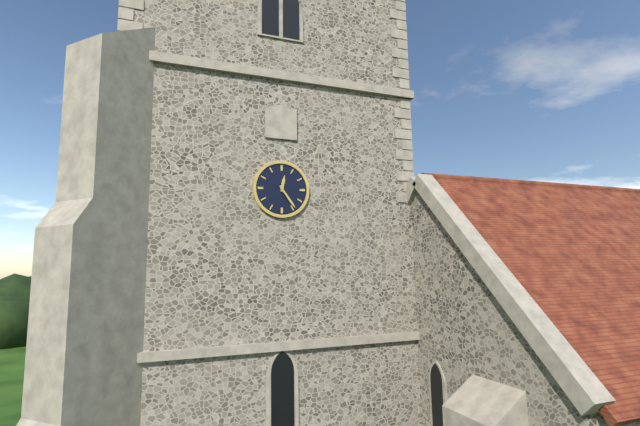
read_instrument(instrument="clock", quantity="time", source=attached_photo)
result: 12:24
